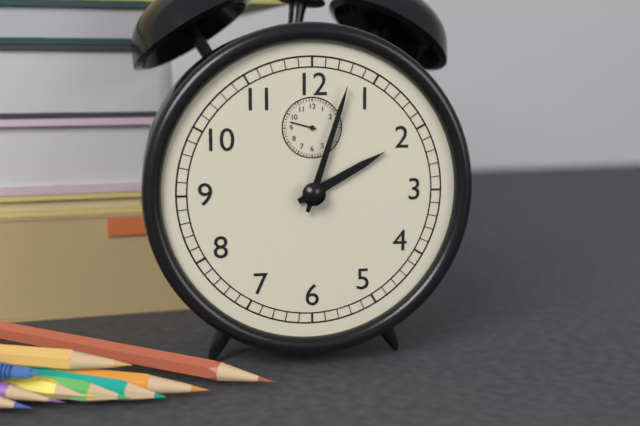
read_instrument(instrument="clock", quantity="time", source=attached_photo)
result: 2:03
